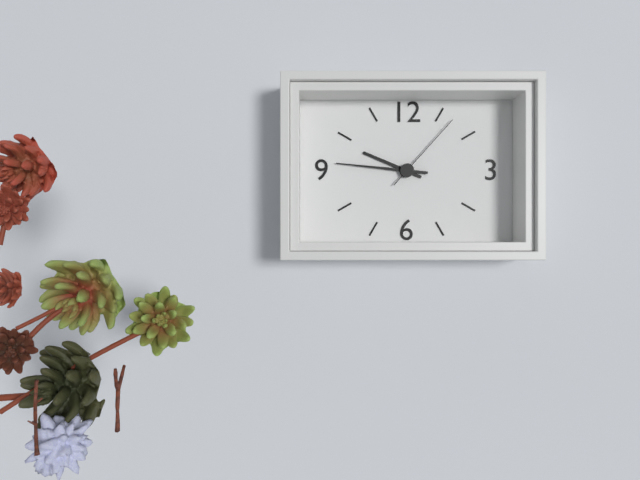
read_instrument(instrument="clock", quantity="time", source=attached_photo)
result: 9:46:07
